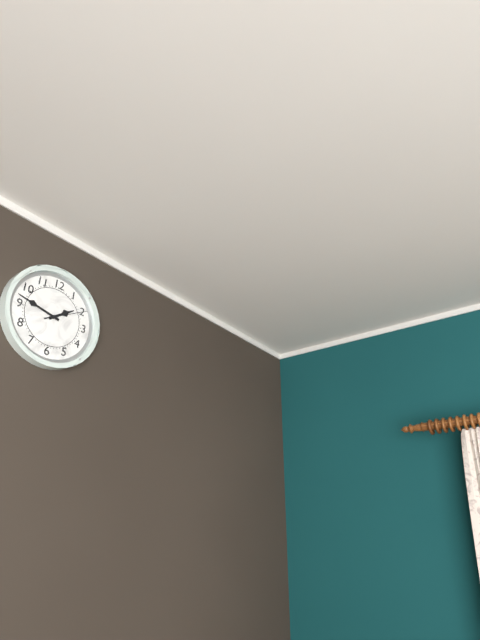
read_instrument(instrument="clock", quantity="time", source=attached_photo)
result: 1:47
